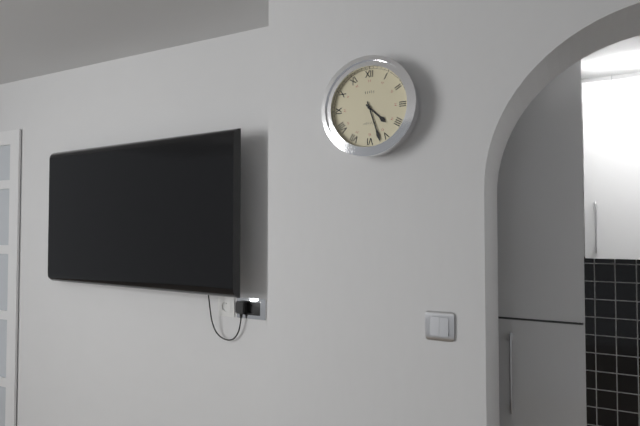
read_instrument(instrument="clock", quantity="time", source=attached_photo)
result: 4:27
